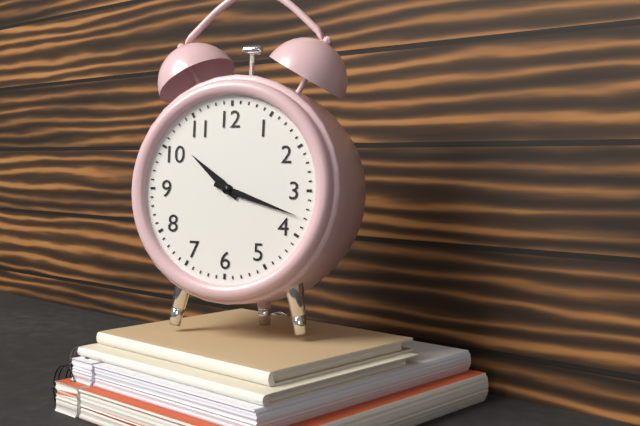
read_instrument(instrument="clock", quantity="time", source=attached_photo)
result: 10:18
